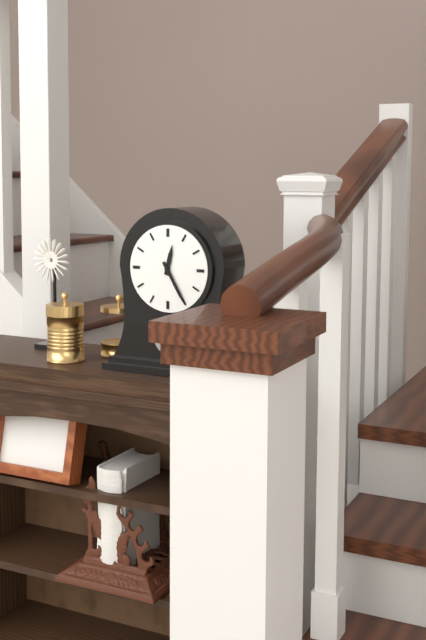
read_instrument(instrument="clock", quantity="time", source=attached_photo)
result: 12:25
